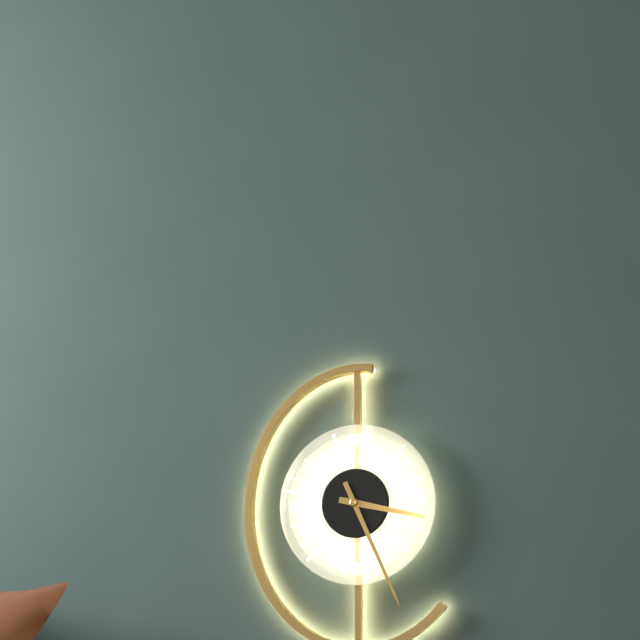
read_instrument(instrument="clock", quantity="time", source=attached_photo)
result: 3:26
